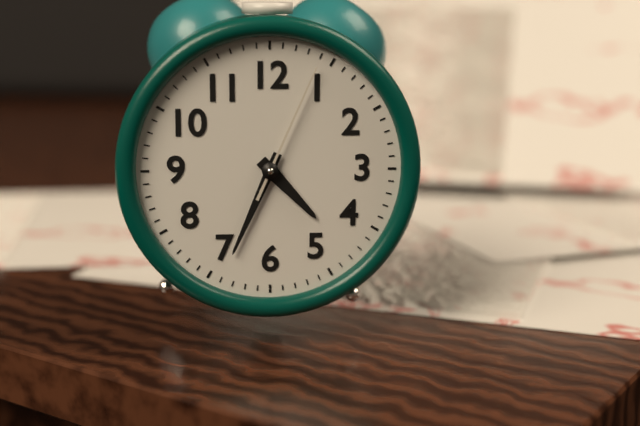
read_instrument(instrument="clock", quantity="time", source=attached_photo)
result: 4:34:04
